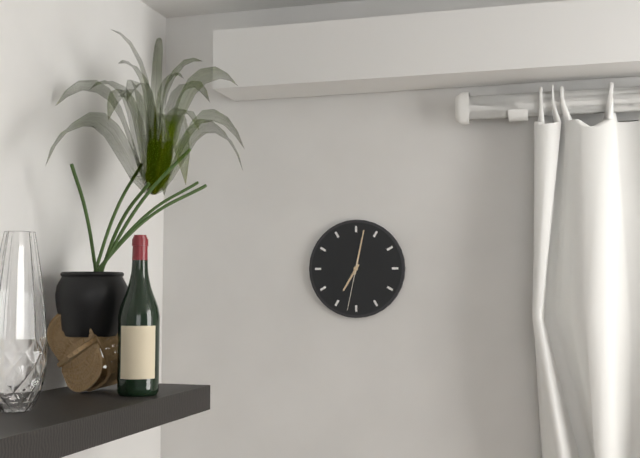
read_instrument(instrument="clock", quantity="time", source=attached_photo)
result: 7:02:32
